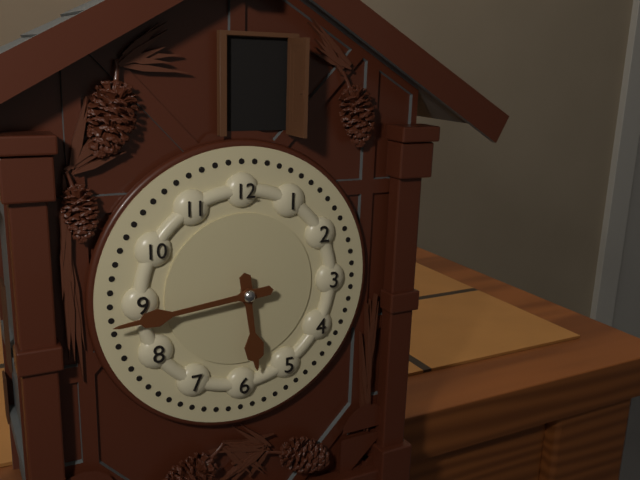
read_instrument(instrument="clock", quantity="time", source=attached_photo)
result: 5:44
